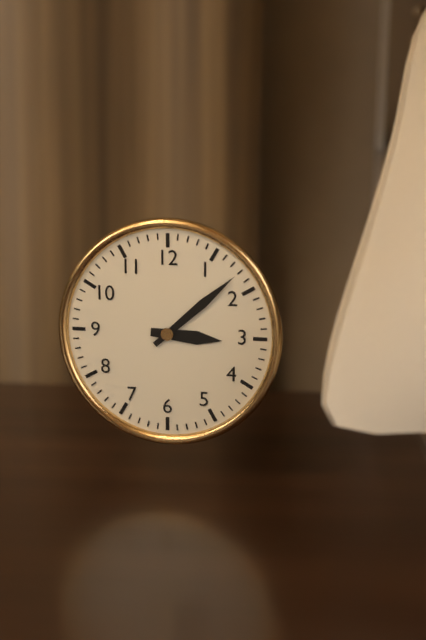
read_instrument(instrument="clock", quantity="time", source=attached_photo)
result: 3:08
